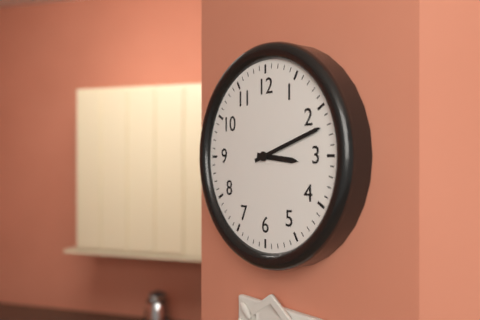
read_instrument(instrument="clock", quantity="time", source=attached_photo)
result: 3:12
